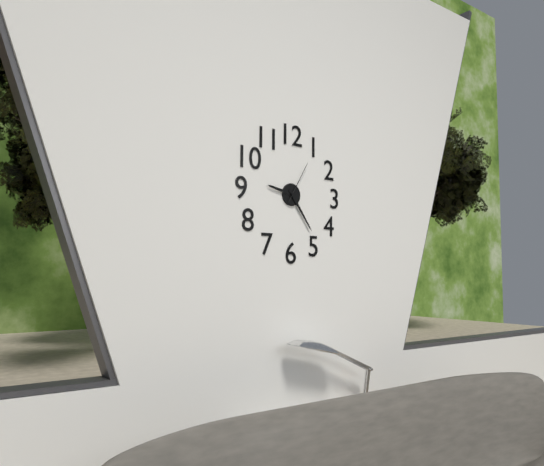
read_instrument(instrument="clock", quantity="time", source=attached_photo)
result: 9:24
